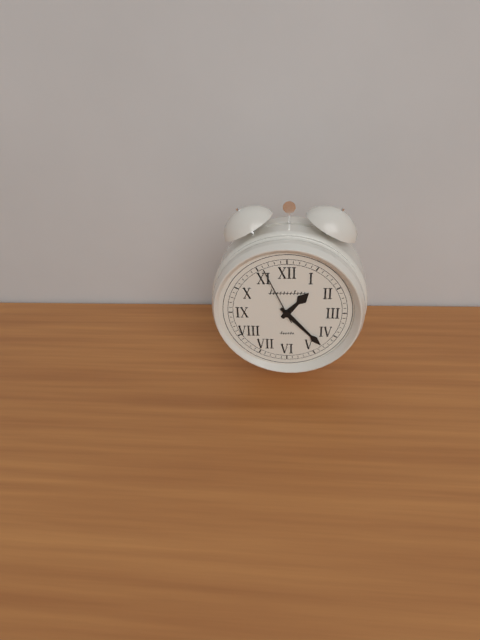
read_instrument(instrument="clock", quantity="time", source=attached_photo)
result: 1:23:56
